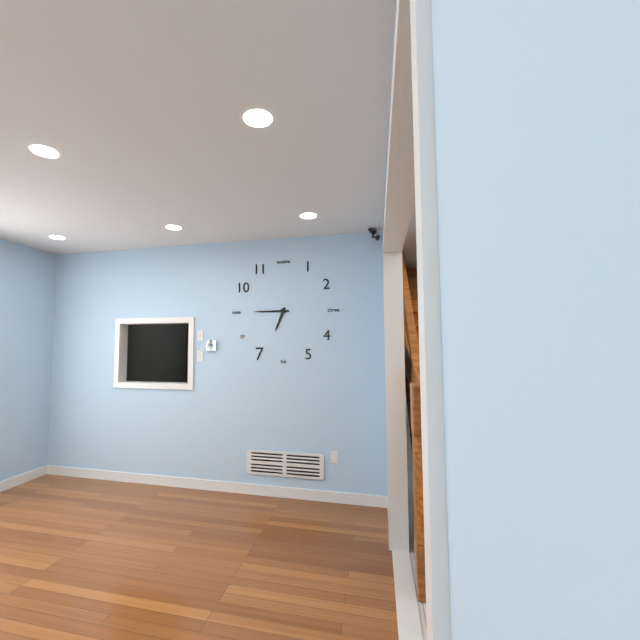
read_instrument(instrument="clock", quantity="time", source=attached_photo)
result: 6:45
